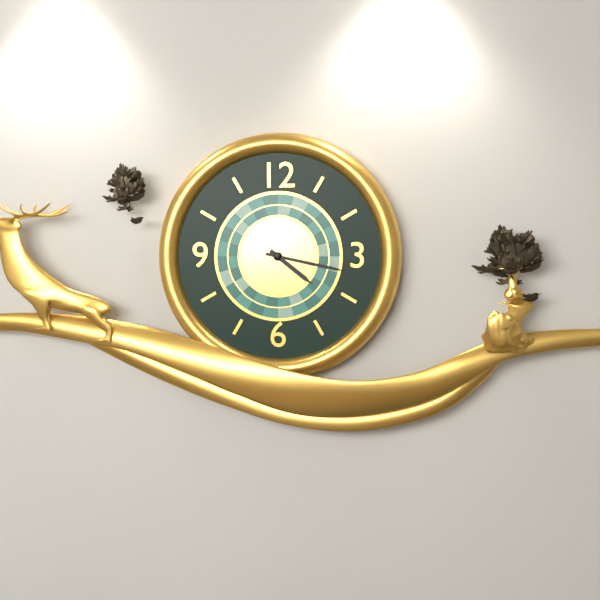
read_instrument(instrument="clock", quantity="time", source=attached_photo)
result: 4:17
